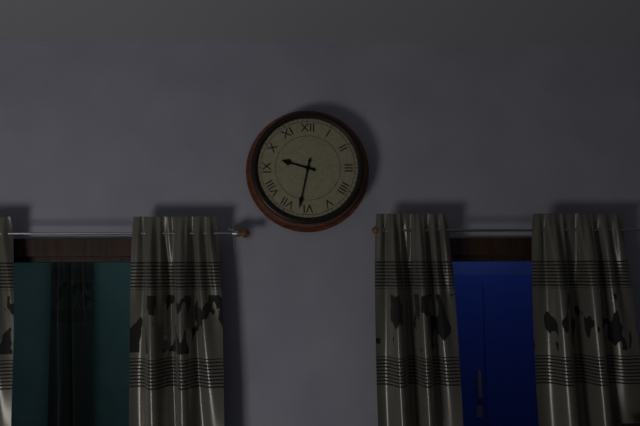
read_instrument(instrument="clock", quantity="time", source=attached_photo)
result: 9:32
